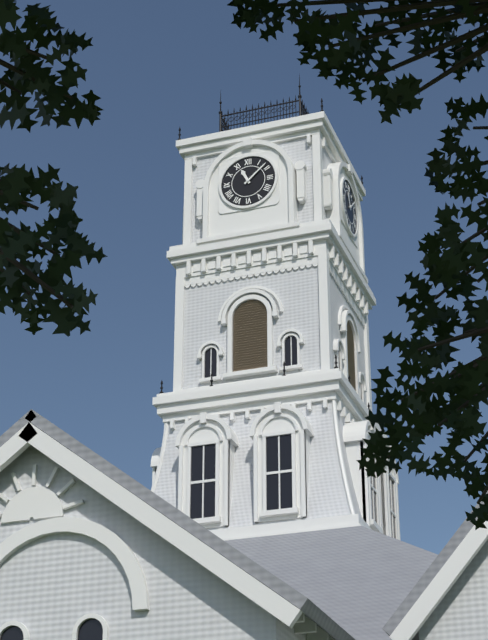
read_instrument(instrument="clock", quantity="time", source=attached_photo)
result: 11:08
